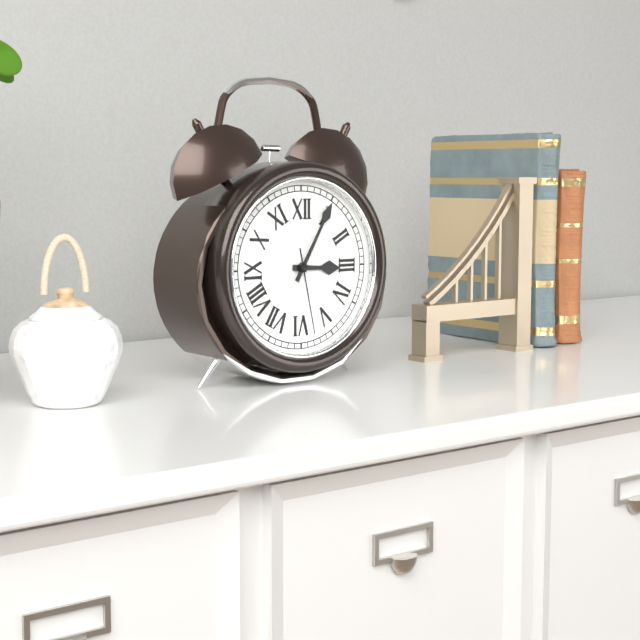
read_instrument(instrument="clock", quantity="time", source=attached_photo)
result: 3:05:28
